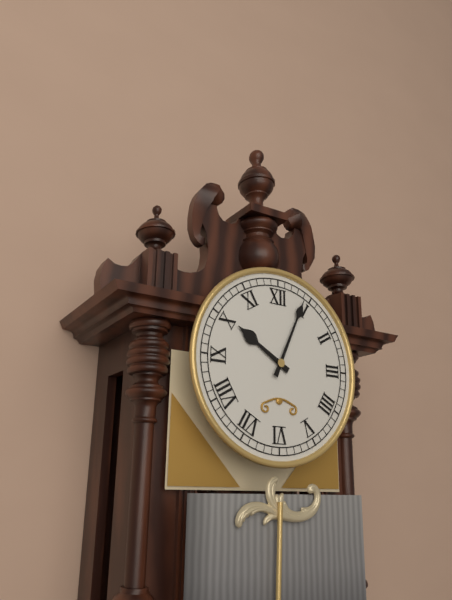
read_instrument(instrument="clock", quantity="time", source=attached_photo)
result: 10:04
